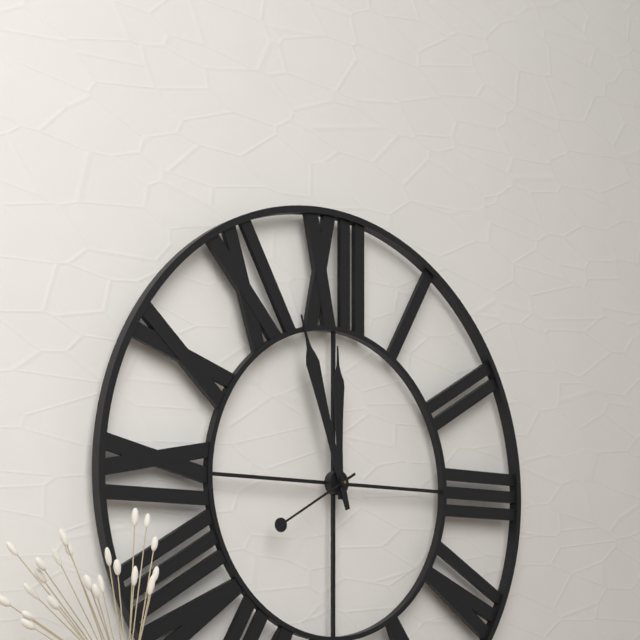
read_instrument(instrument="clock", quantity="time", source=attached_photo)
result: 11:57:40
